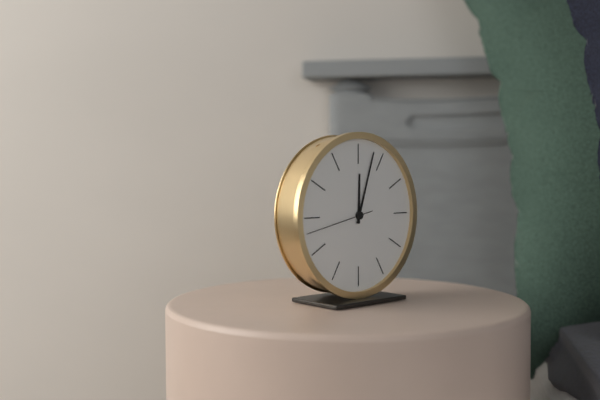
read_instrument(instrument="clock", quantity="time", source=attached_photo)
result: 12:03:43
